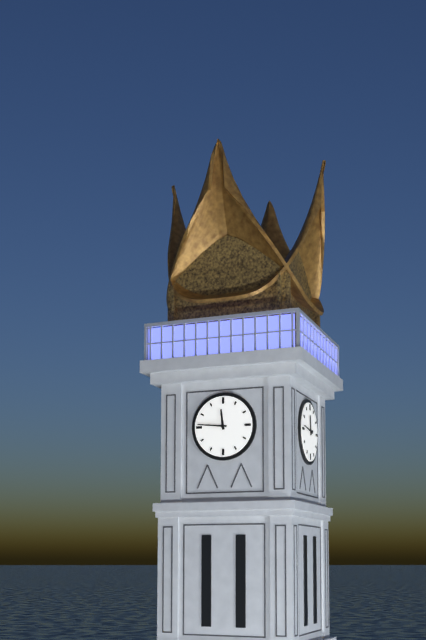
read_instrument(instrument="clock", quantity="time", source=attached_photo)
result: 11:46
